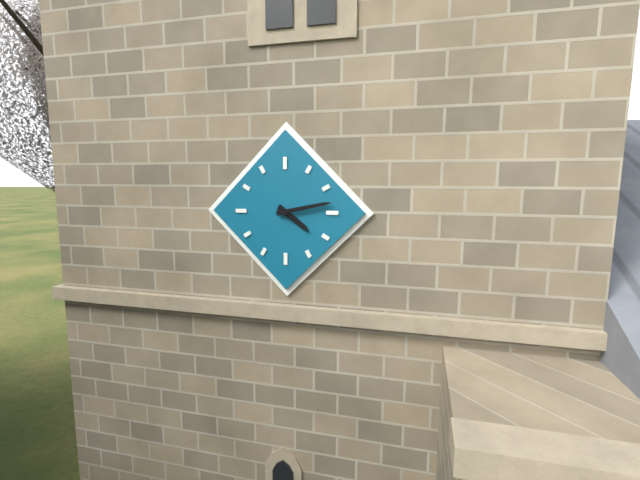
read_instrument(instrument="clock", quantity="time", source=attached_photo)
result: 4:13
